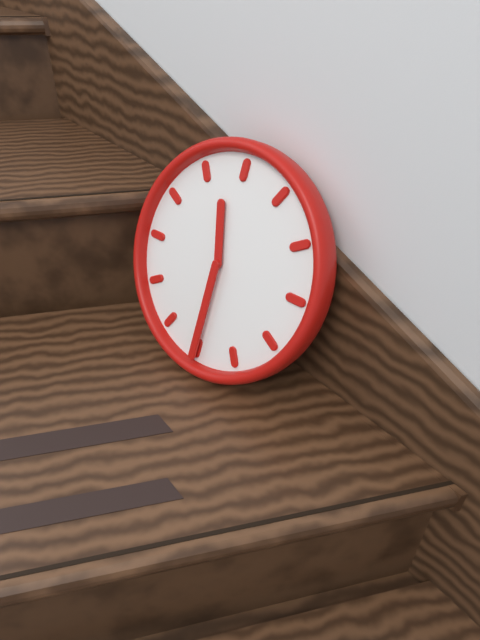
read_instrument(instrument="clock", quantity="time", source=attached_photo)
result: 11:30
